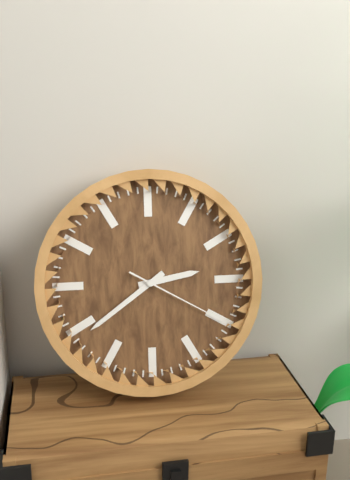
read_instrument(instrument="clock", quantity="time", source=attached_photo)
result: 2:39:20
